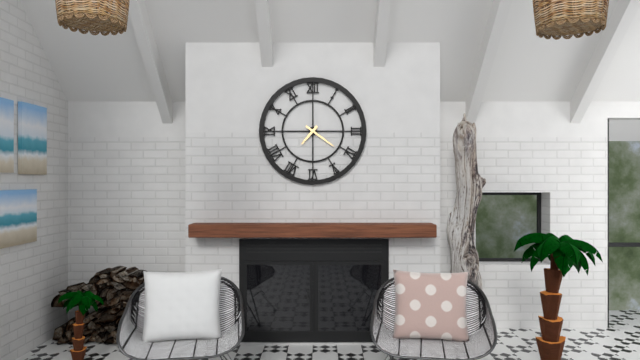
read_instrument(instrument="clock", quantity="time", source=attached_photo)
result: 7:21
